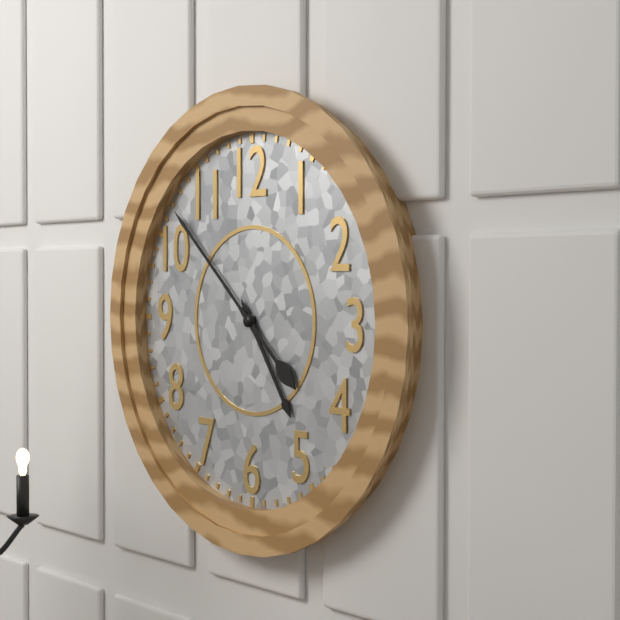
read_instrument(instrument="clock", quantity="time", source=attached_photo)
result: 4:52
